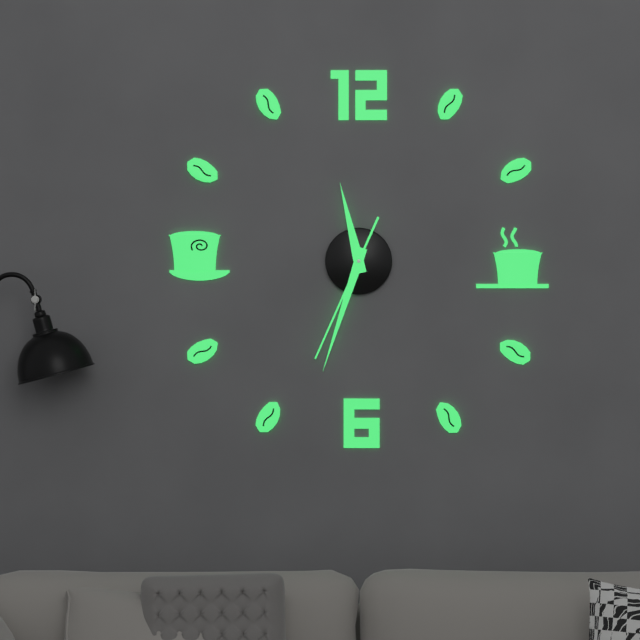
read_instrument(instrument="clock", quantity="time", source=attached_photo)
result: 11:33:34
